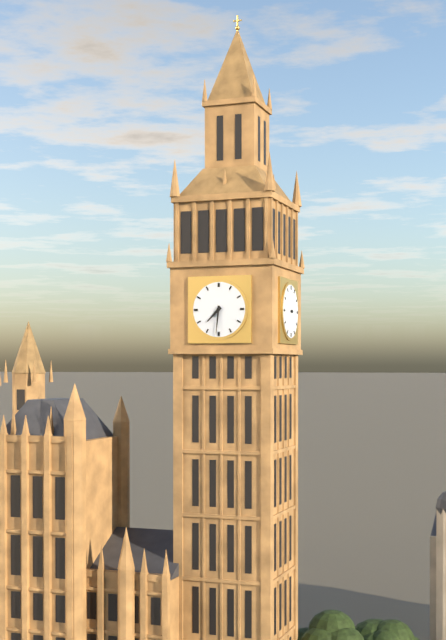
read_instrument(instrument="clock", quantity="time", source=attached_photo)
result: 7:31
